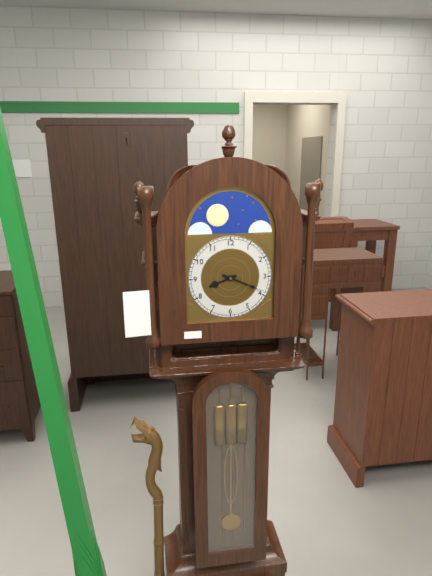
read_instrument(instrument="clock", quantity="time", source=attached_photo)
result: 8:19
